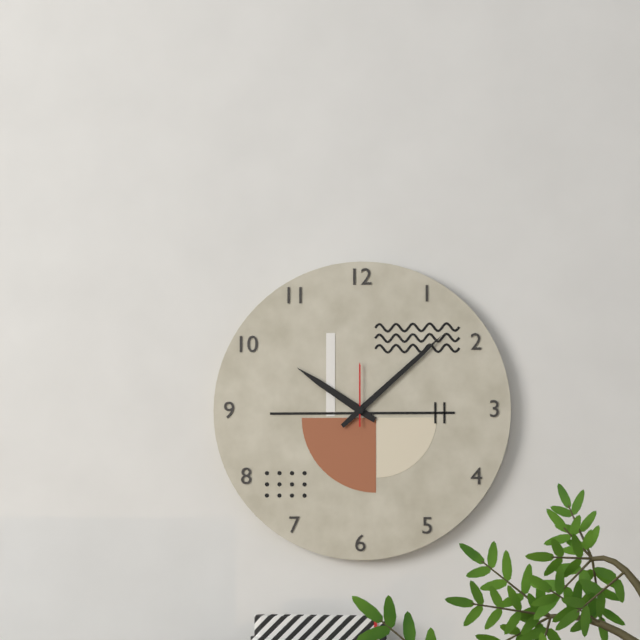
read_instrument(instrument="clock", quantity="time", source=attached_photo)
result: 10:08:00
